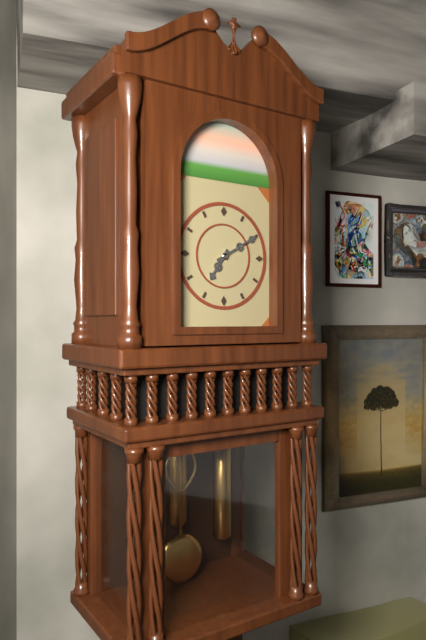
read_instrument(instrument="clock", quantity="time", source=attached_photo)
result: 7:10
